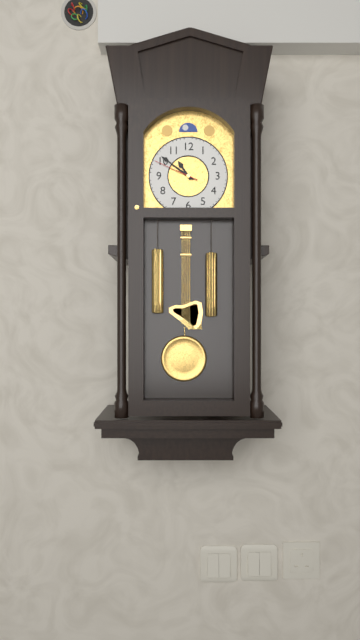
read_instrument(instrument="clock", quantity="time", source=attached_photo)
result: 10:51
